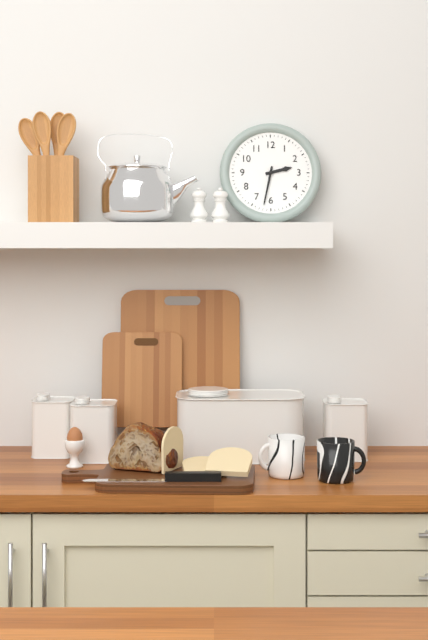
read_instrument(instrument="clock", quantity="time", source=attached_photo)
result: 2:32
